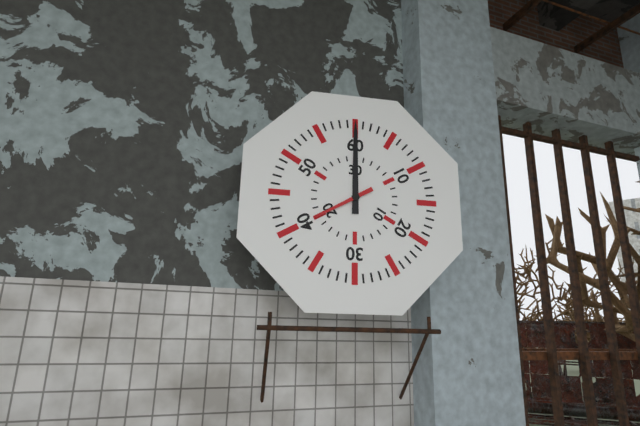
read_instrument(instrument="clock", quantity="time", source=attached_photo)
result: 8:00
